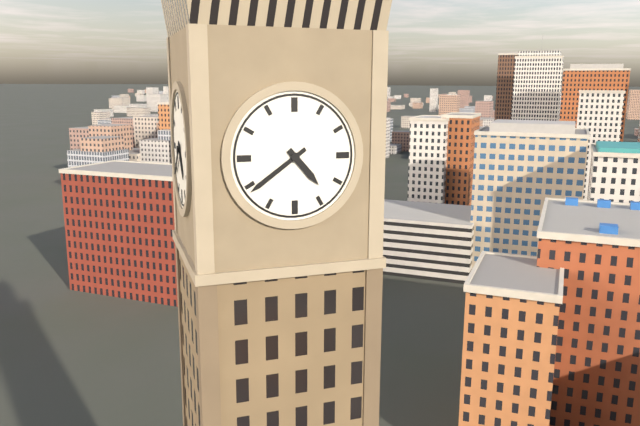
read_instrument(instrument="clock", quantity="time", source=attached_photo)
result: 4:39
